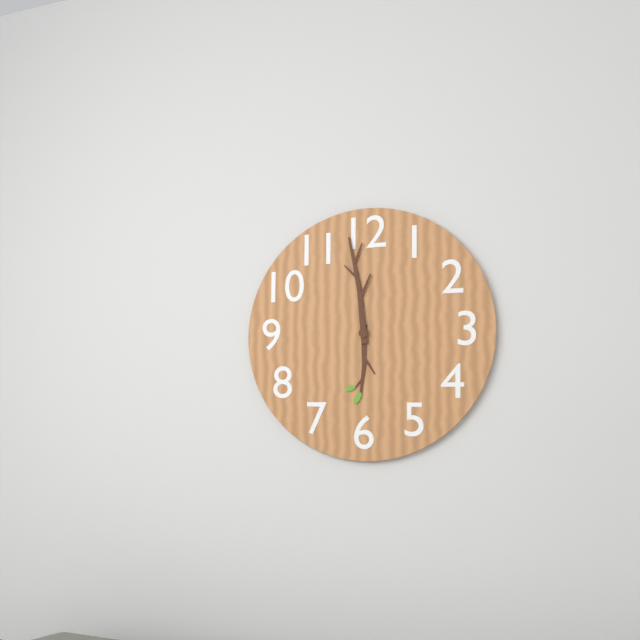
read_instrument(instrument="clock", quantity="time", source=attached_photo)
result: 5:59
